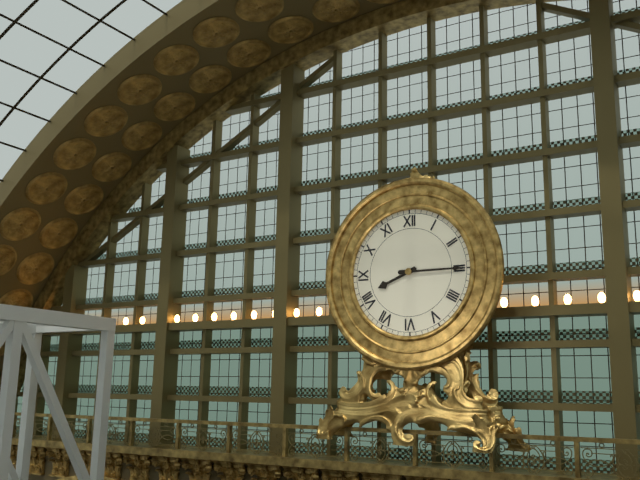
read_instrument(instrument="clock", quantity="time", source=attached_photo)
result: 8:15
